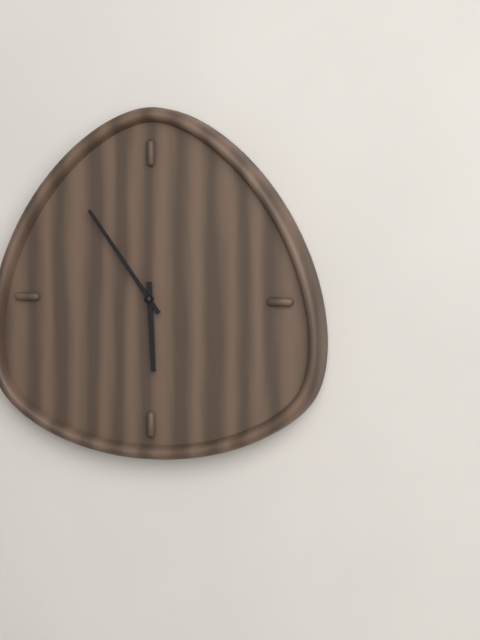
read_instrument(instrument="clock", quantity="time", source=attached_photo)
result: 5:54
